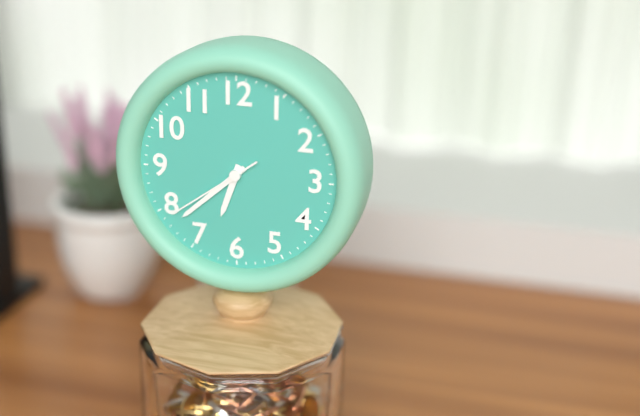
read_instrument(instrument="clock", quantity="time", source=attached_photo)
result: 6:38:39
